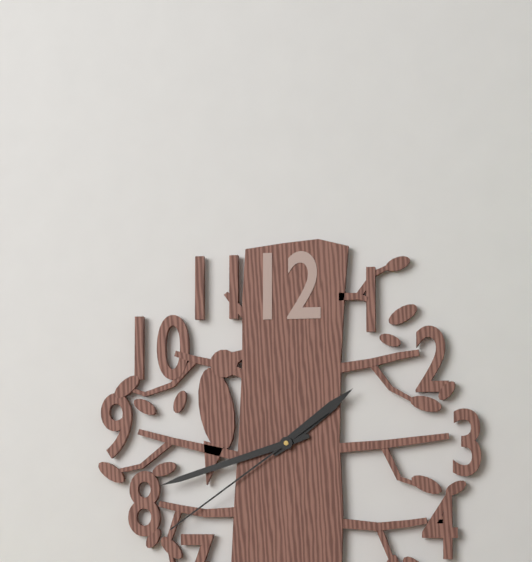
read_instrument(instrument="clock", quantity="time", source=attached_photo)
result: 1:42:39
